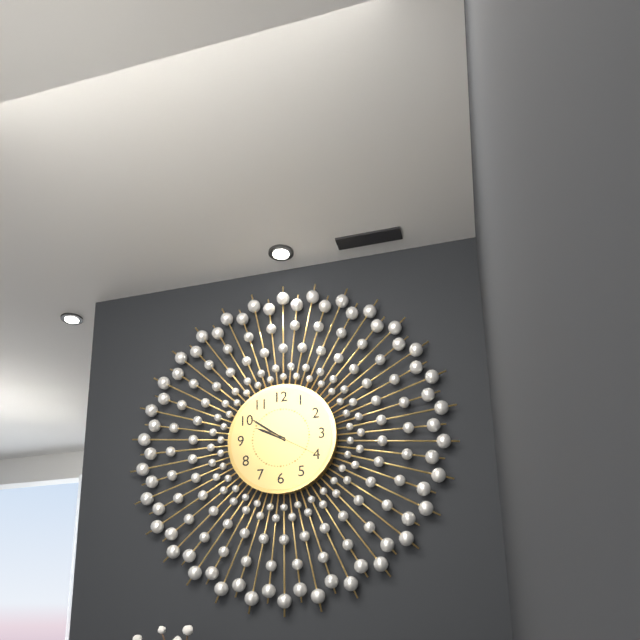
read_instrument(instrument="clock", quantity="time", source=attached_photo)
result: 9:51:20
